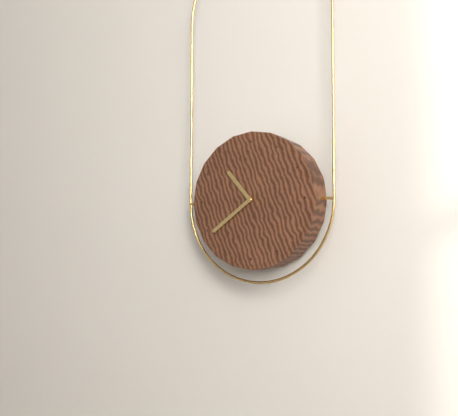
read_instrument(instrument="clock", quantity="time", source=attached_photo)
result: 10:39
